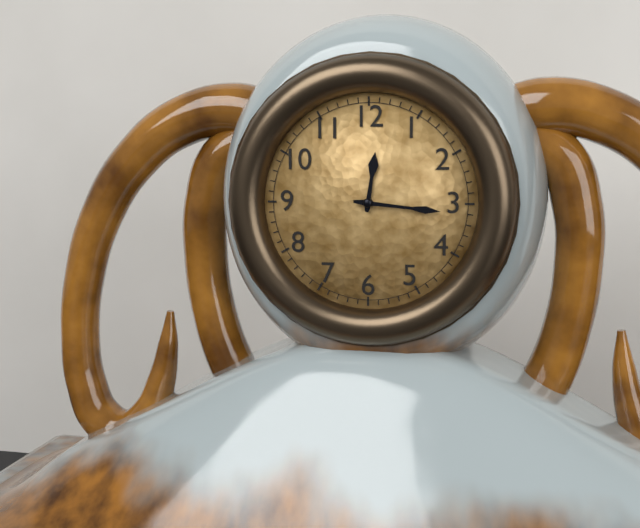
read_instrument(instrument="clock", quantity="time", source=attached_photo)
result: 12:16
